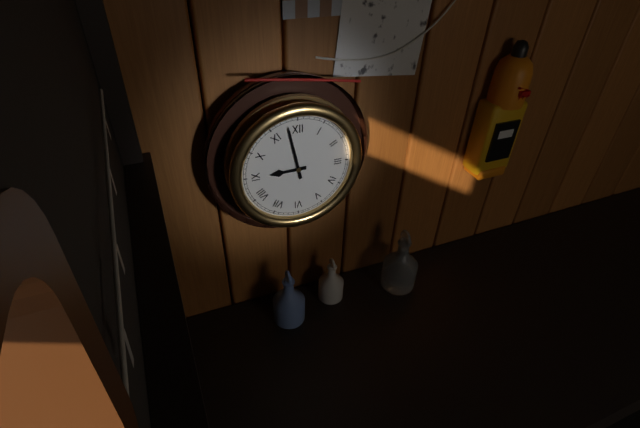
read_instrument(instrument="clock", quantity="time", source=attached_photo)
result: 8:58
